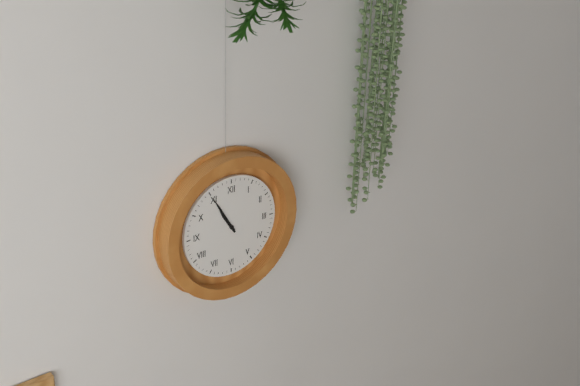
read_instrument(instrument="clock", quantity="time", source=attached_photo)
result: 10:55
